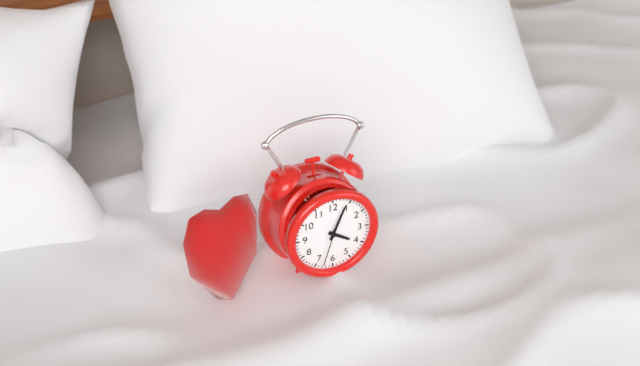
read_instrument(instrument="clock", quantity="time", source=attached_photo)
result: 4:04
